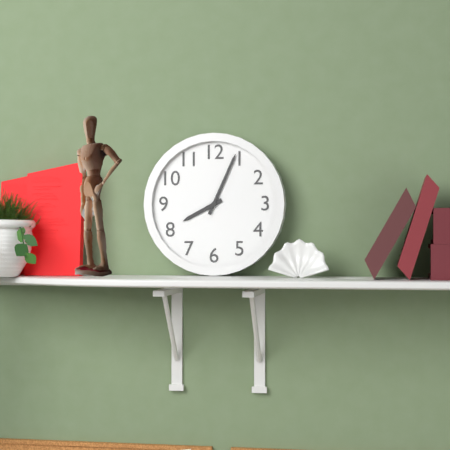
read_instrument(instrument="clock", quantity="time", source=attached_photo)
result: 8:04
